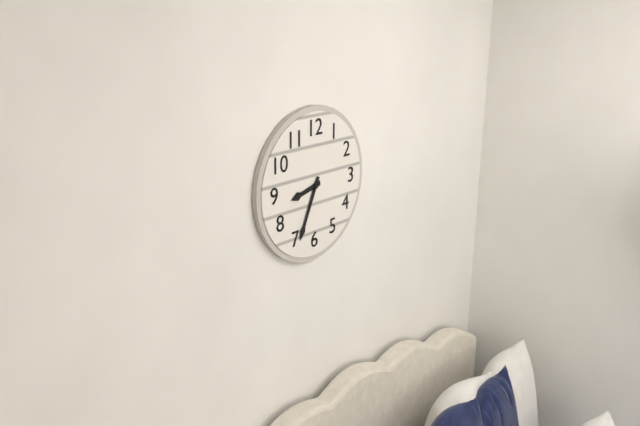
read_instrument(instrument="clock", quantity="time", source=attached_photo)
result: 8:34
